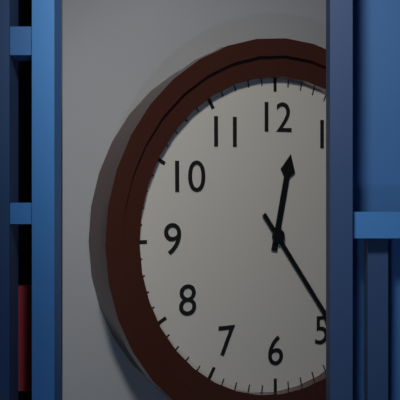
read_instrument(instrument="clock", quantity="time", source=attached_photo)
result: 12:24
